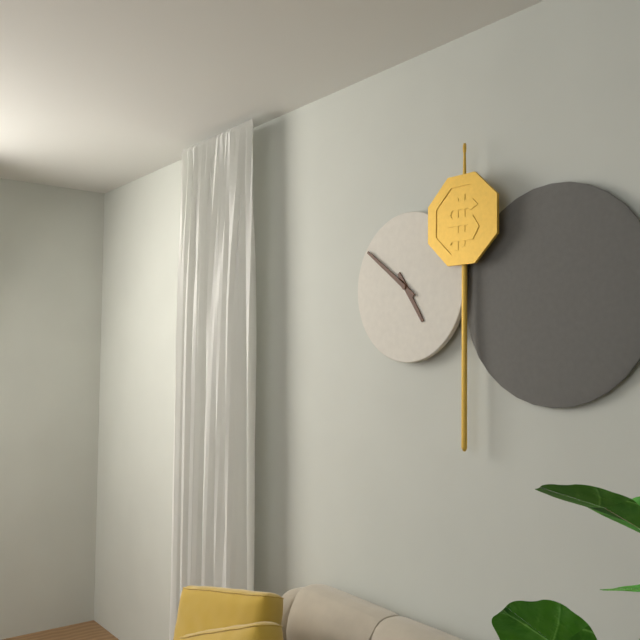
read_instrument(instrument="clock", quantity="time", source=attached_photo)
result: 4:51
